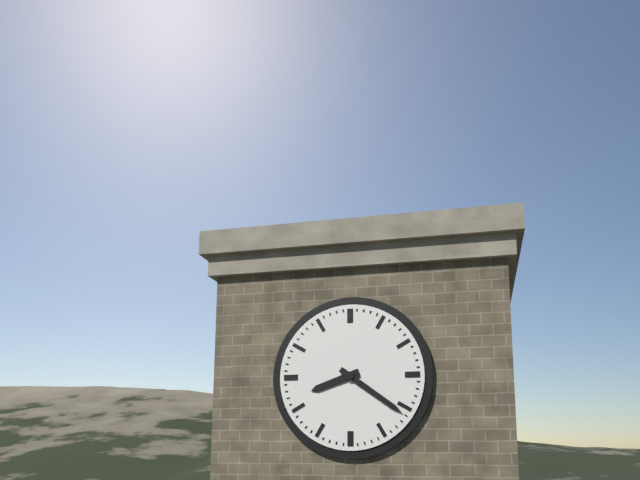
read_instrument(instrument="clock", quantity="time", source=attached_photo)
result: 8:21
